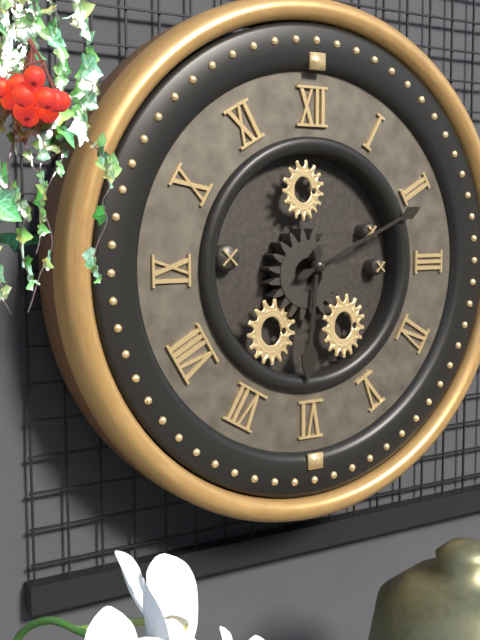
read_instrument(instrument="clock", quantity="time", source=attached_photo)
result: 6:11
